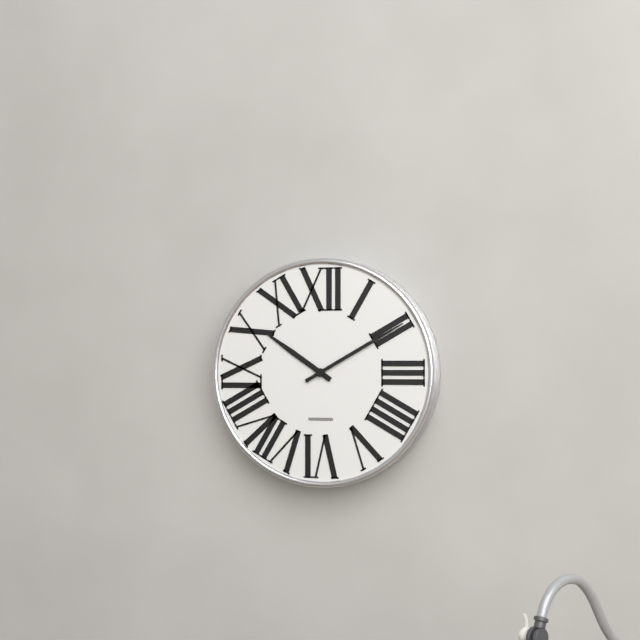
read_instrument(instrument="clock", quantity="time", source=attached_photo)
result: 10:10
